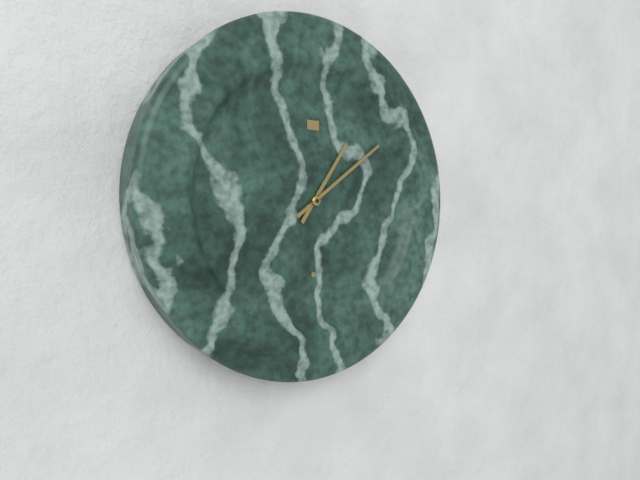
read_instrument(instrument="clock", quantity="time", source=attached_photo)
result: 1:09
